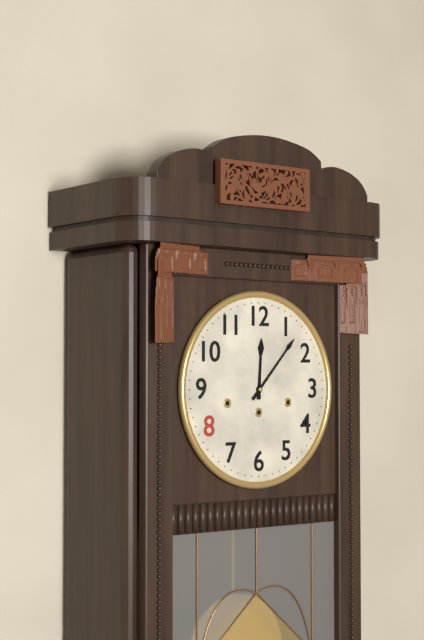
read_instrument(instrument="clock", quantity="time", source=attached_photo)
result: 12:07
